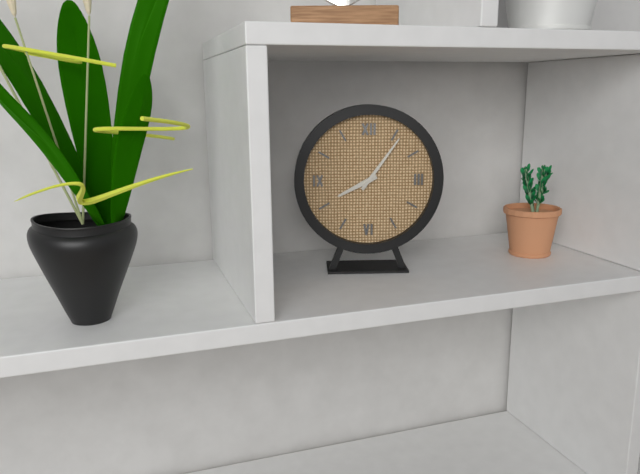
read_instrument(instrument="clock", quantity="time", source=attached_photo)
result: 8:06
